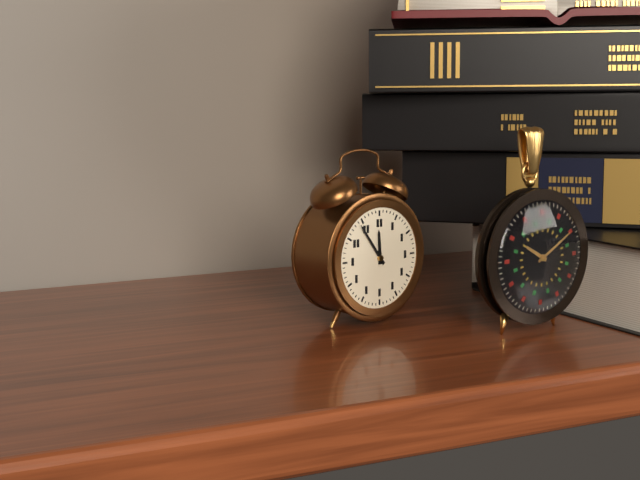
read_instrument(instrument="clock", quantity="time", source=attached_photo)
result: 11:54
